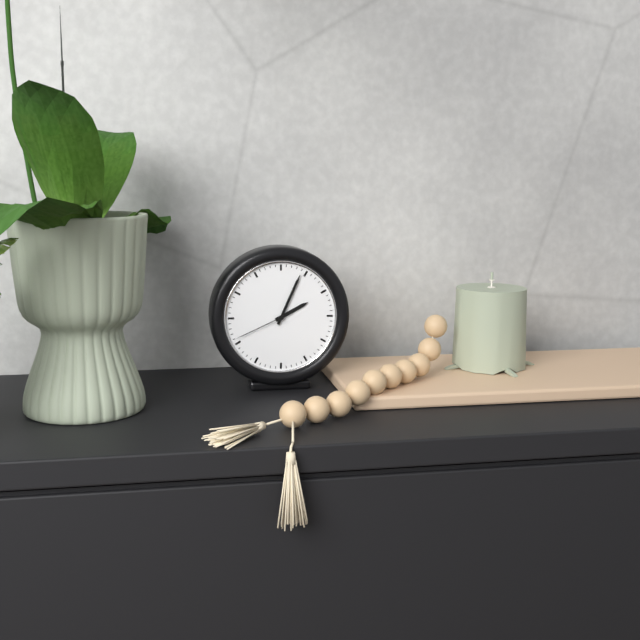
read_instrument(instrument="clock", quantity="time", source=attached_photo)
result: 2:04:41
